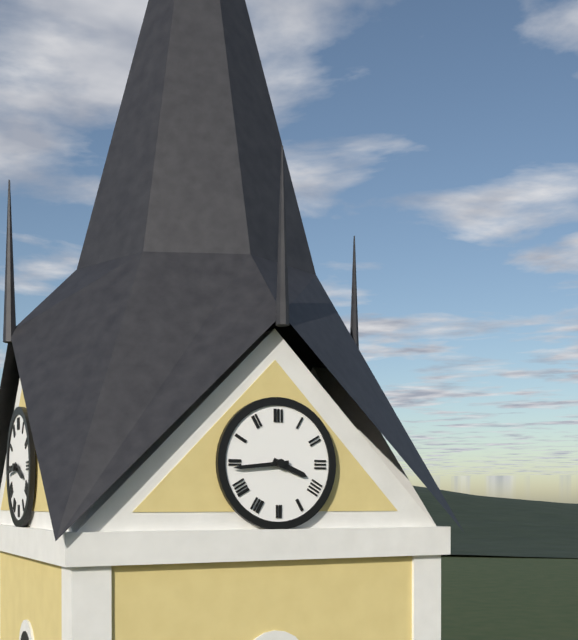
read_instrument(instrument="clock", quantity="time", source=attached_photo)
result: 3:44
